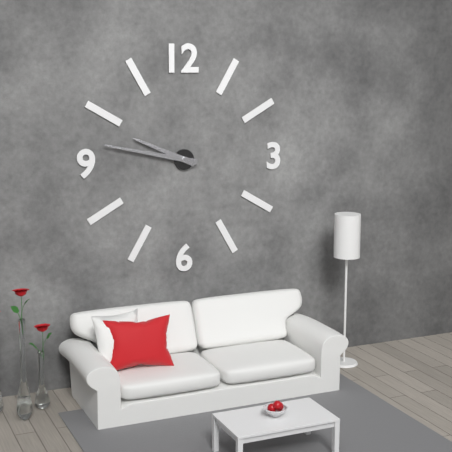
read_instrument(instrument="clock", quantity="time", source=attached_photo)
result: 9:47
